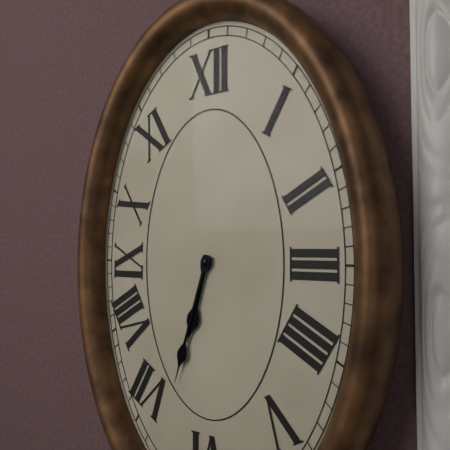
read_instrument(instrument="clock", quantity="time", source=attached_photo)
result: 6:33
